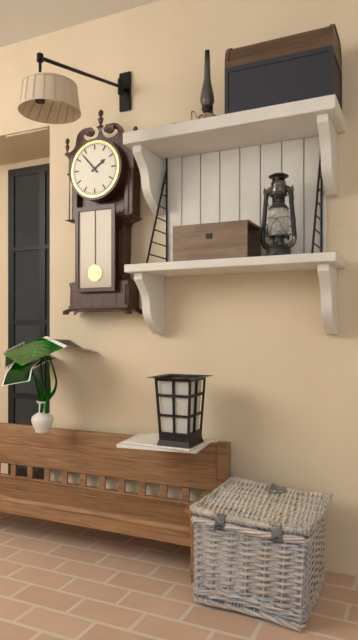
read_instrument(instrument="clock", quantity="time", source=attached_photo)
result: 1:53
